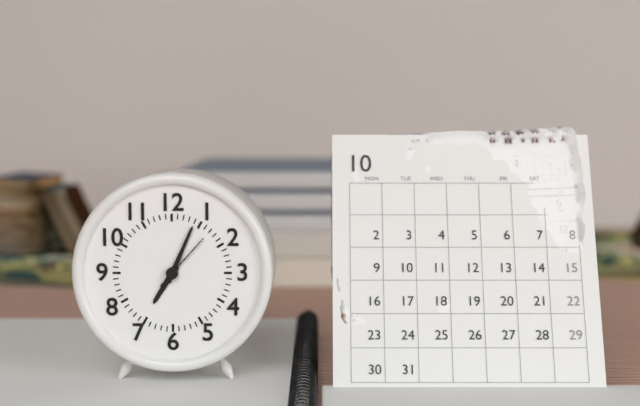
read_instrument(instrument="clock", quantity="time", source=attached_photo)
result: 7:04:07
